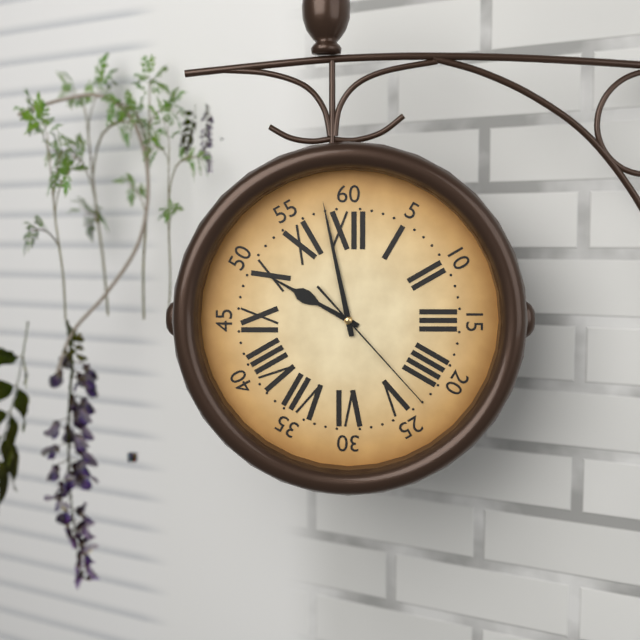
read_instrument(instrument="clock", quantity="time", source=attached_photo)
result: 9:58:23
